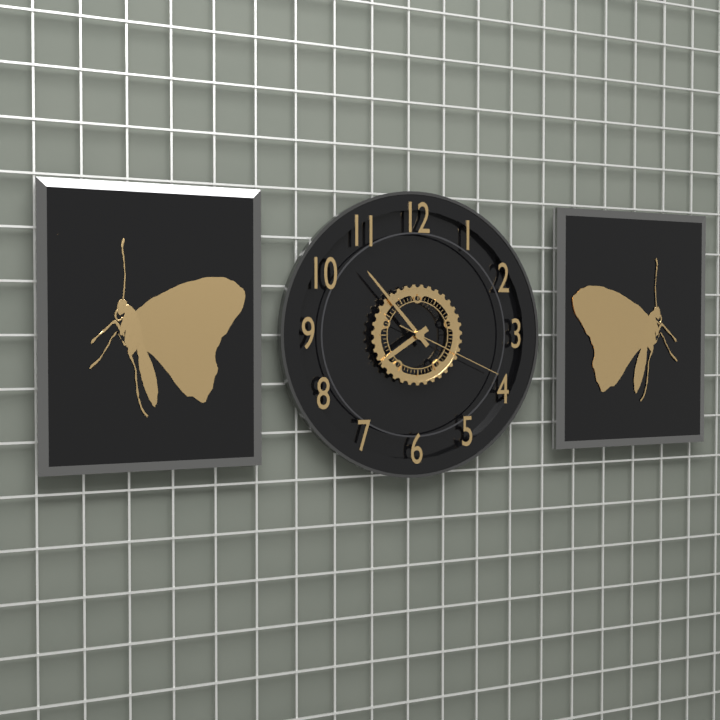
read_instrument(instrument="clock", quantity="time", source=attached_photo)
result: 7:53:19
